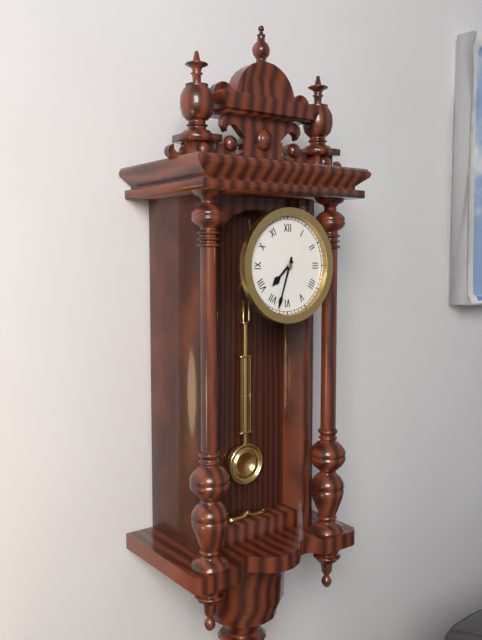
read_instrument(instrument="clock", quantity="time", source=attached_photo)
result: 7:33
